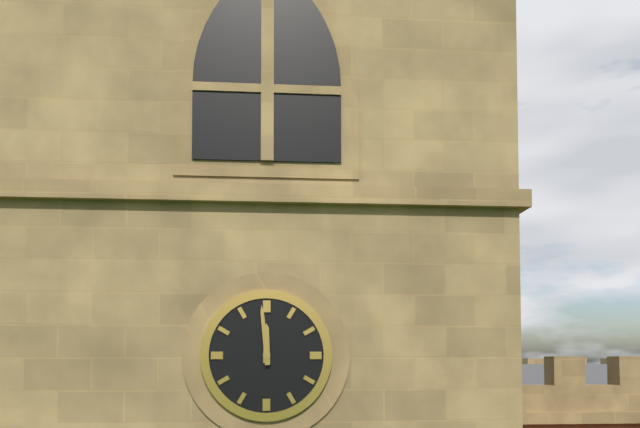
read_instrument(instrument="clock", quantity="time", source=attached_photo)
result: 11:59
